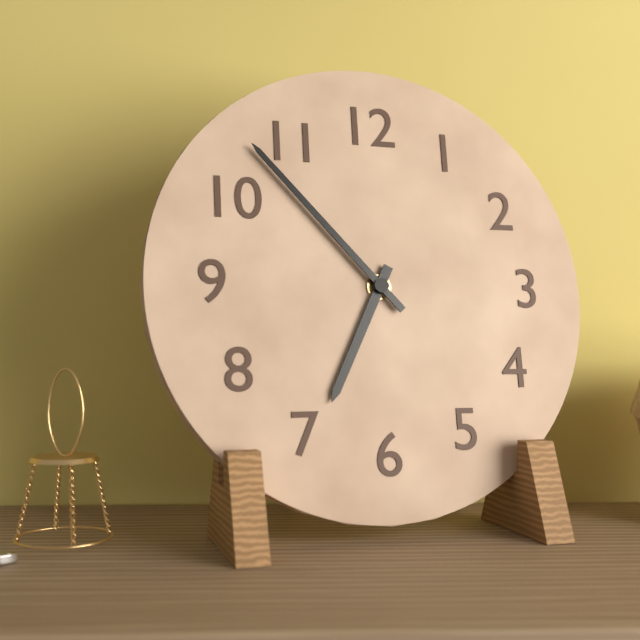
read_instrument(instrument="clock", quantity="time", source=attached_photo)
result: 6:53
